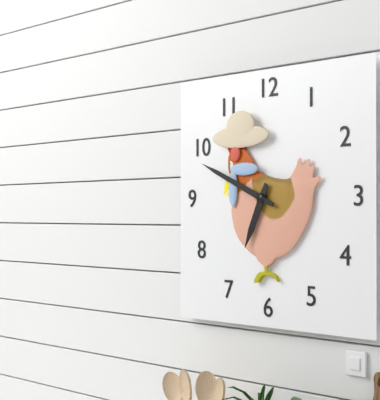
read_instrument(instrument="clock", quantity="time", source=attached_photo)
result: 6:49
